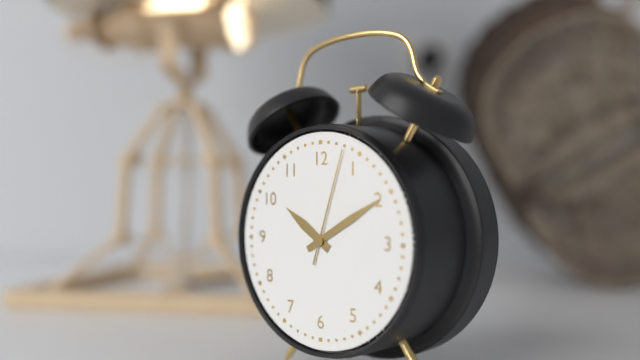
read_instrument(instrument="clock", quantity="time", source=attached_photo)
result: 10:10:03
